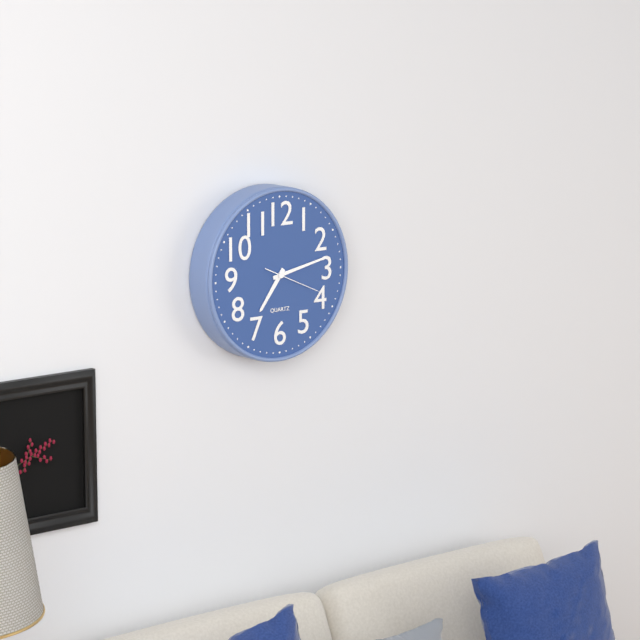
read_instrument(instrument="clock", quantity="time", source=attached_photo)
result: 7:13:19
